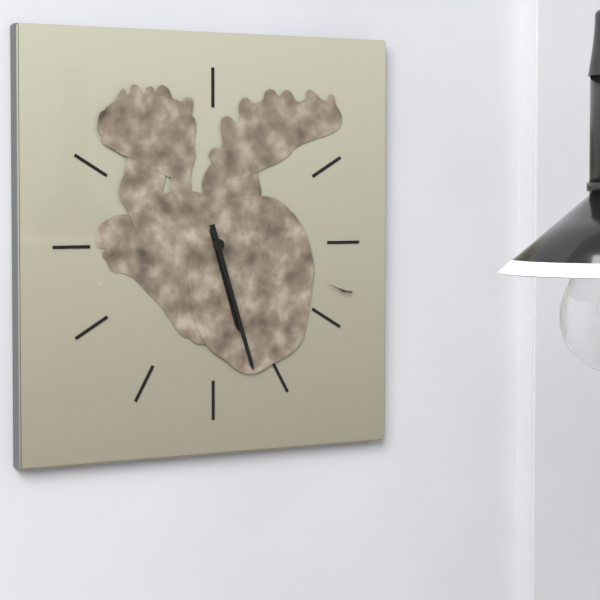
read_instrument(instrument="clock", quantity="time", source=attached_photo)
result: 5:27
